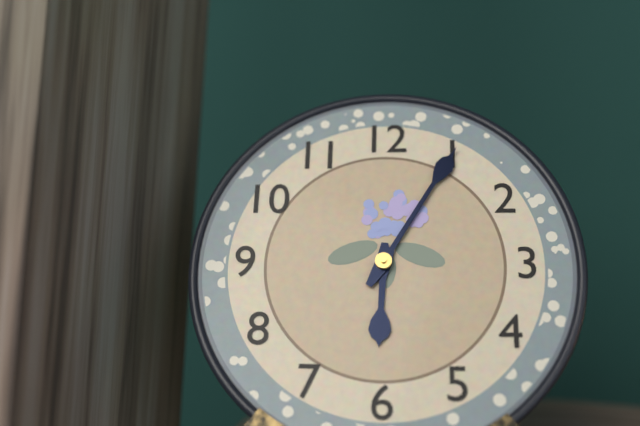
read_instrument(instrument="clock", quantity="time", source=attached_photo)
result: 6:05
